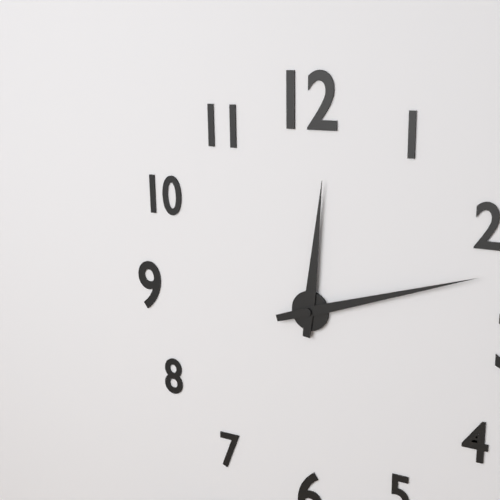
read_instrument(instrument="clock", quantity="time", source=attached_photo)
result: 12:12
